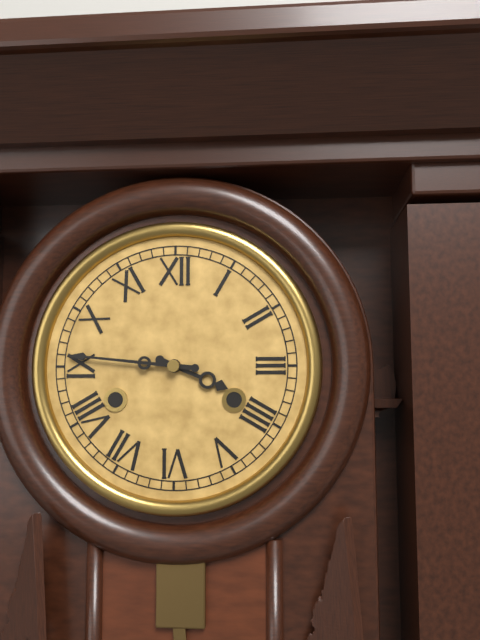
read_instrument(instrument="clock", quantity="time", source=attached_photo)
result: 3:46
